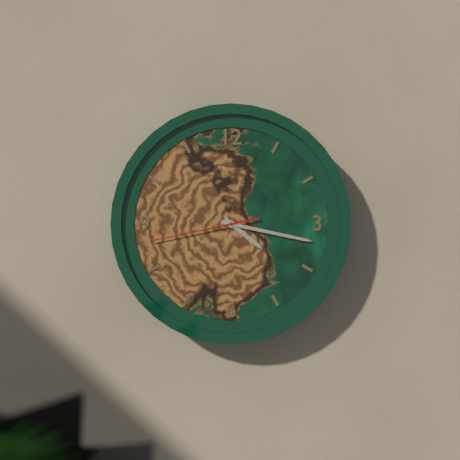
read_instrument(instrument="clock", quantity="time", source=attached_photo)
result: 4:17:43
